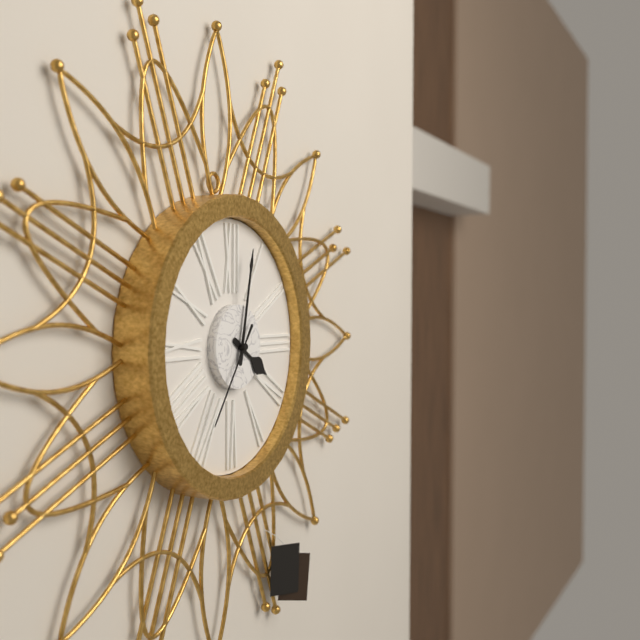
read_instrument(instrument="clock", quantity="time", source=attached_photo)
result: 4:02:36
